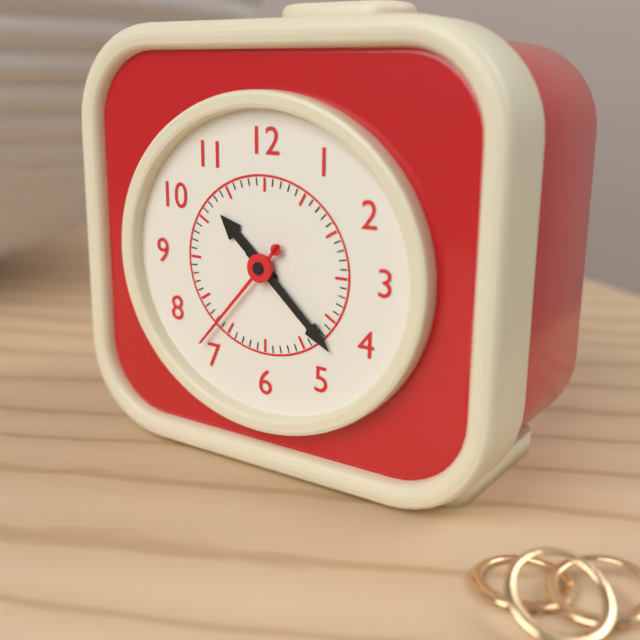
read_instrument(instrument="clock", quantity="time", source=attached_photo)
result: 10:22:37
